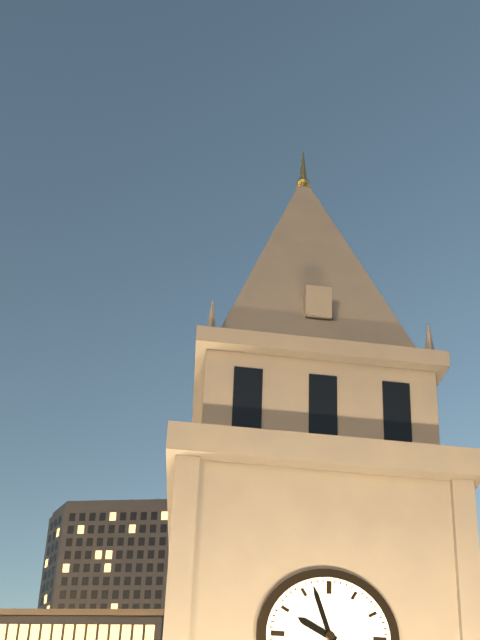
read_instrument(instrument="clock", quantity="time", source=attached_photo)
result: 9:57
